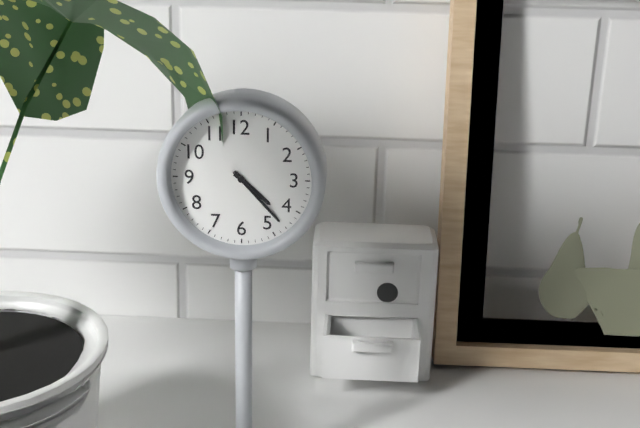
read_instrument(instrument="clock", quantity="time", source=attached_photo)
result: 4:23
